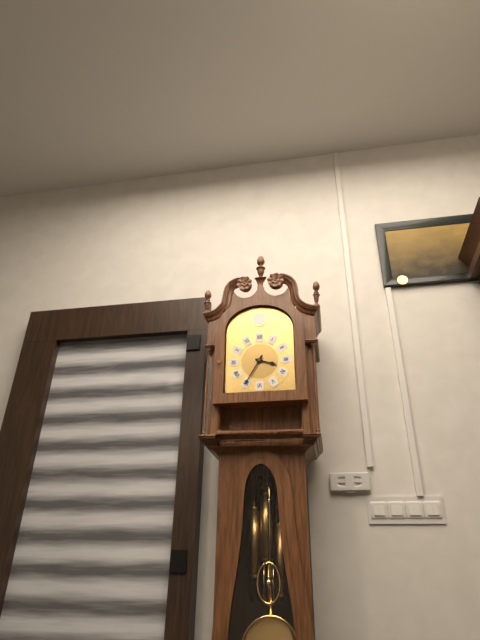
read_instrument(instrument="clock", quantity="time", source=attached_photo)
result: 3:35
